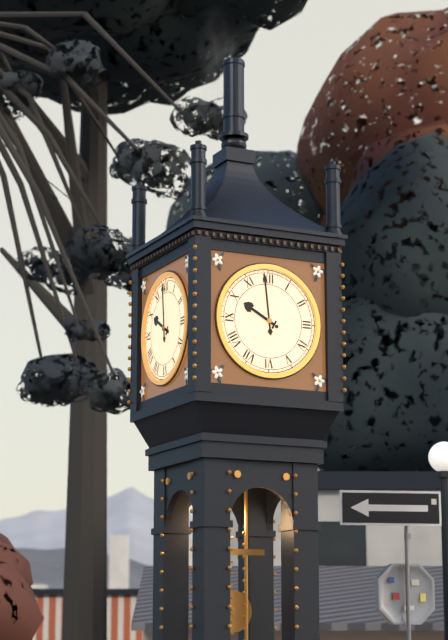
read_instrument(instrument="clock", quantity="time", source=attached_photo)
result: 9:59
